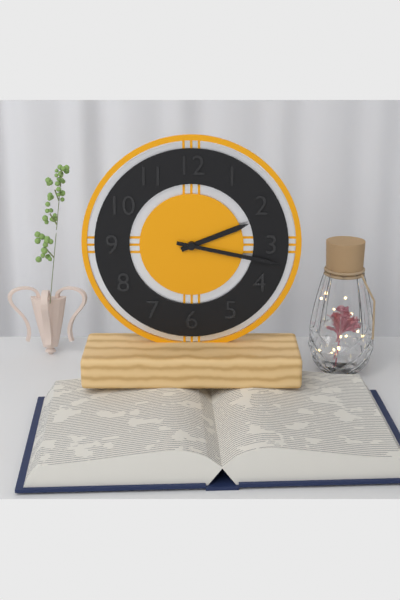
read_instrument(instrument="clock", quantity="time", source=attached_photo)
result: 2:17
